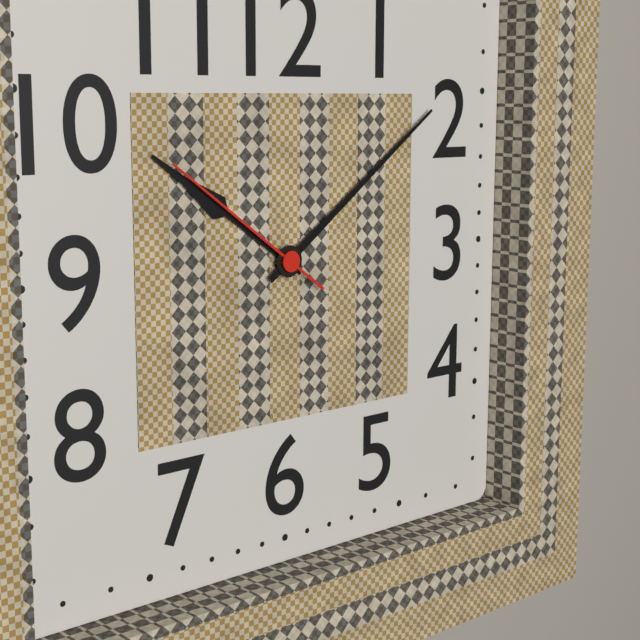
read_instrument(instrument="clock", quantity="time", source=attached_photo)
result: 10:09:51
